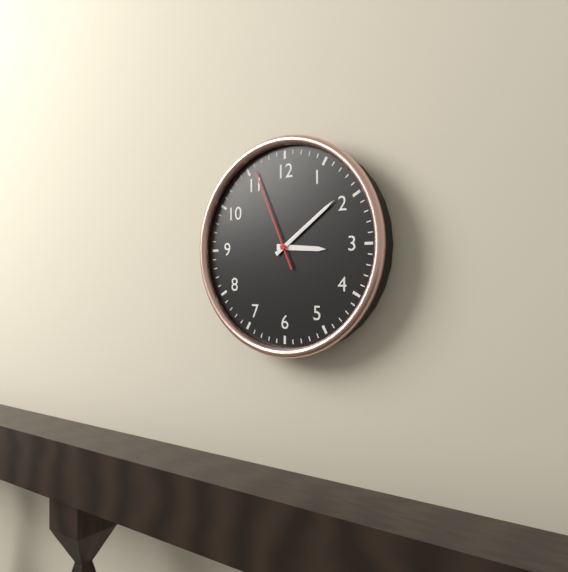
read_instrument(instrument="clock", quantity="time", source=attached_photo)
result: 3:09:56
